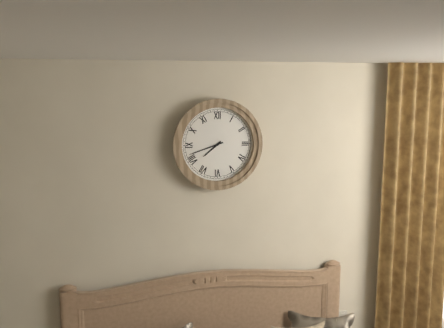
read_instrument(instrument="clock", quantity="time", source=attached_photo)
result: 7:42
